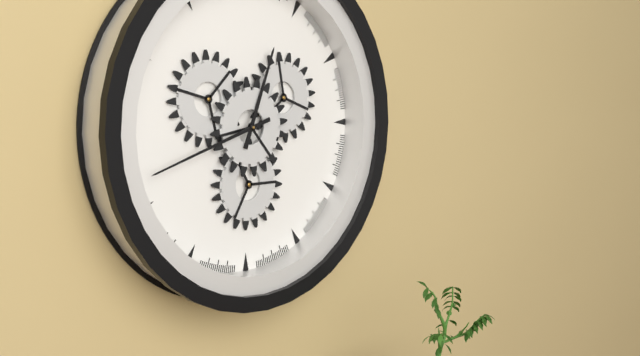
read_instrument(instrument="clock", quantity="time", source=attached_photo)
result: 12:42
